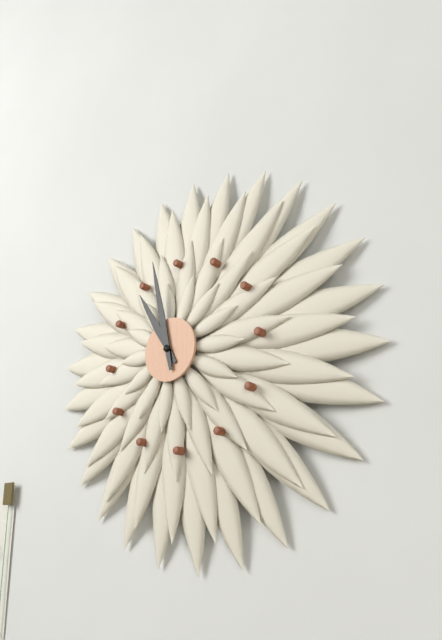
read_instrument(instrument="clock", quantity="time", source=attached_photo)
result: 10:58
